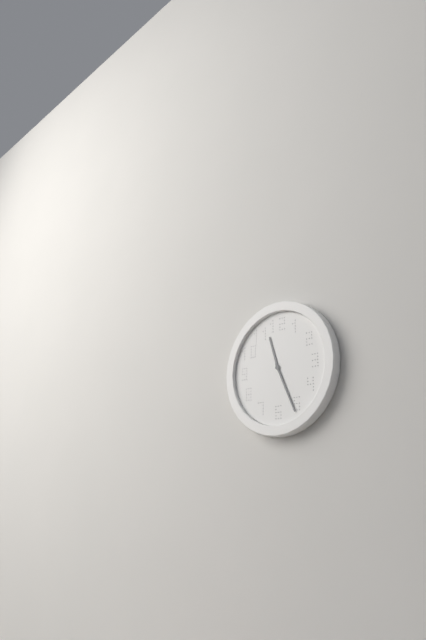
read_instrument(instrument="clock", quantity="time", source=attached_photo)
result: 11:26
